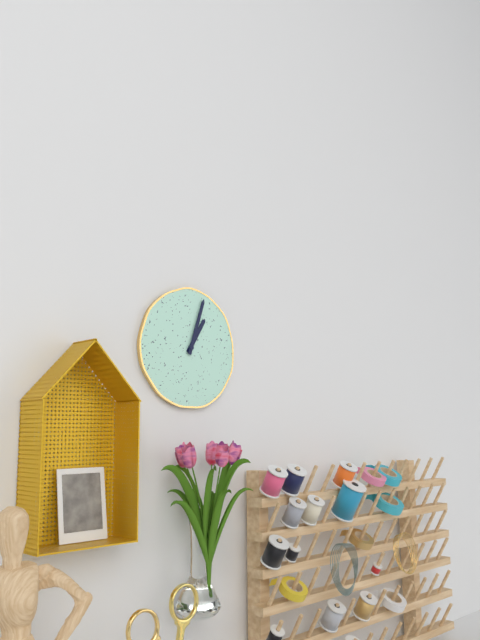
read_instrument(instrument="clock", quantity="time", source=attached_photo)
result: 1:03
